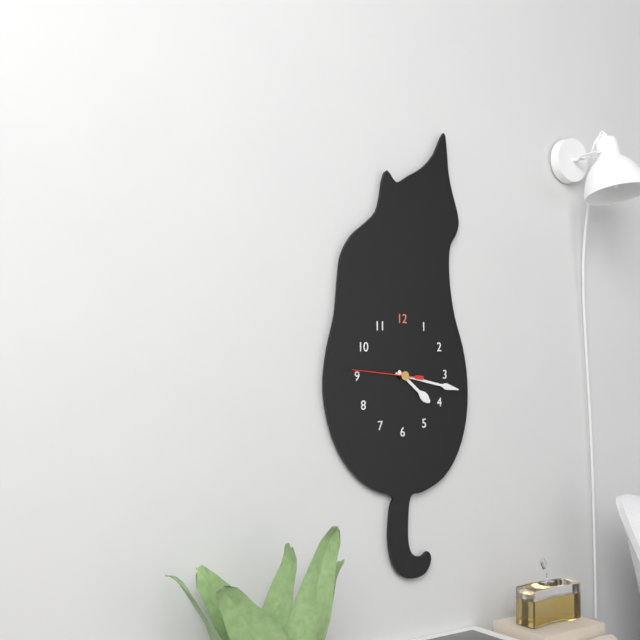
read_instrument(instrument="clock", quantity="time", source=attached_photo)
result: 4:17:46
